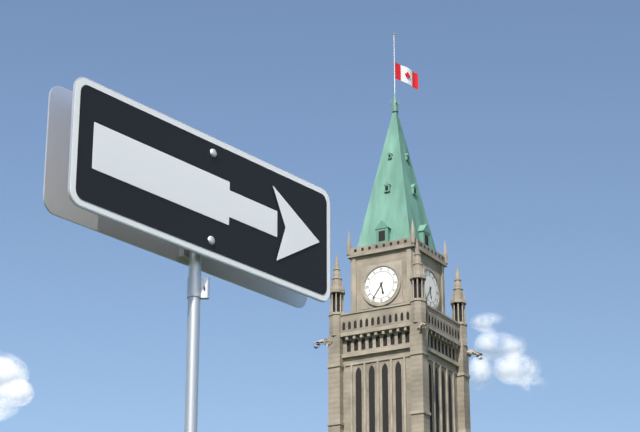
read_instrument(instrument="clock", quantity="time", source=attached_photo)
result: 5:36
